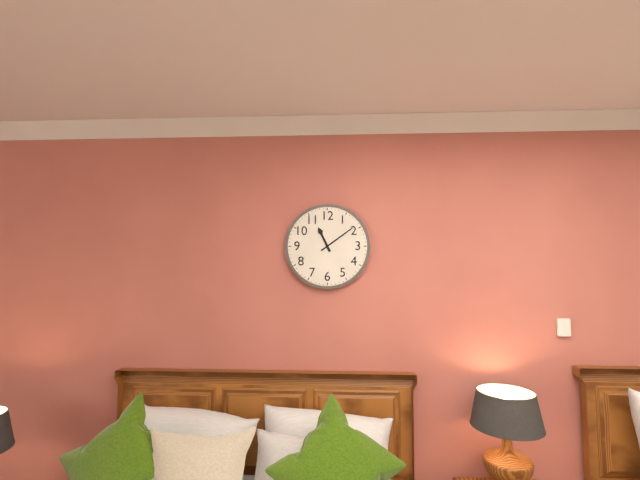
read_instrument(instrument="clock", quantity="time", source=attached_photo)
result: 11:09
